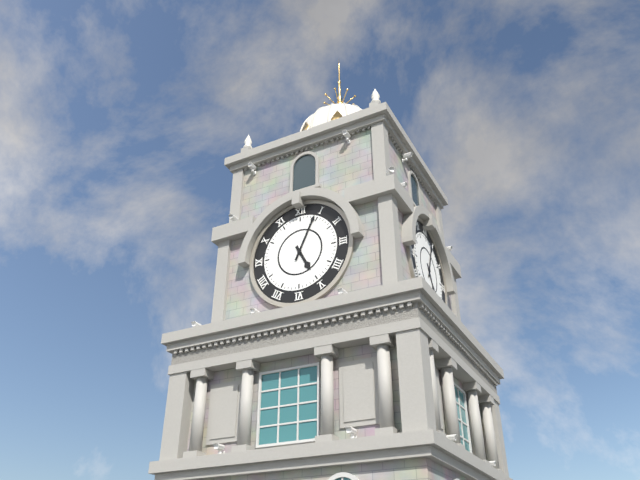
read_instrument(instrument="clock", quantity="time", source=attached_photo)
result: 5:04
